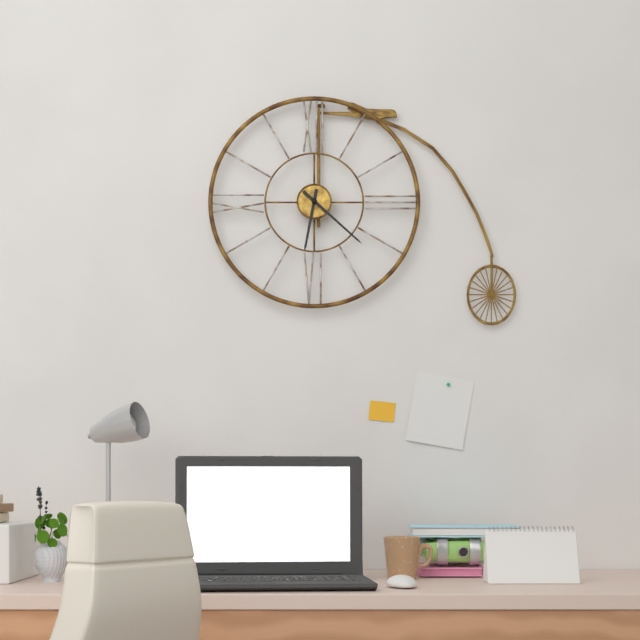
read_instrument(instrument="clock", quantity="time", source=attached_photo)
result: 6:22
